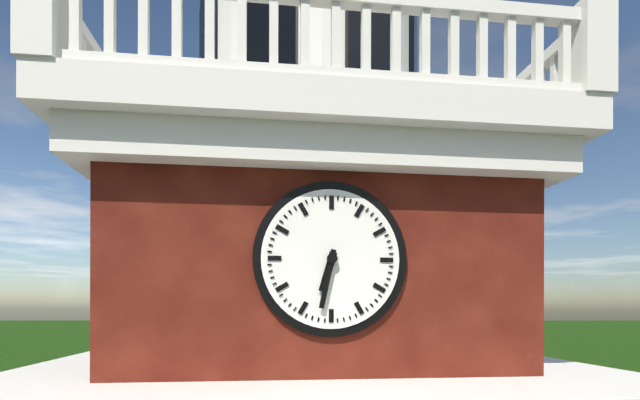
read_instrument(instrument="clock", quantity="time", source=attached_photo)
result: 6:32
